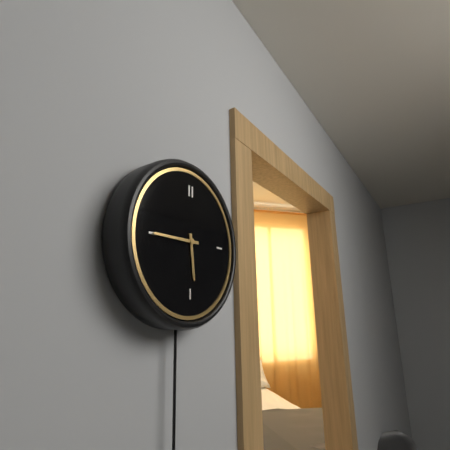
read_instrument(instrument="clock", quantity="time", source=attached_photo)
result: 5:45
